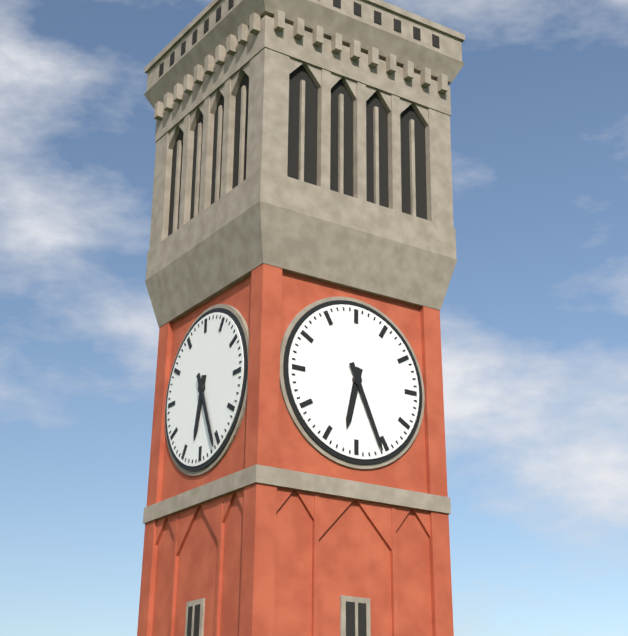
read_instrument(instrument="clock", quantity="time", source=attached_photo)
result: 6:26
